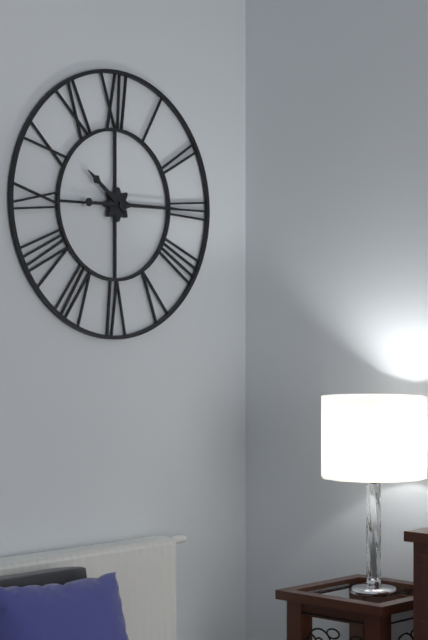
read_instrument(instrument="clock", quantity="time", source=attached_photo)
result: 10:15
